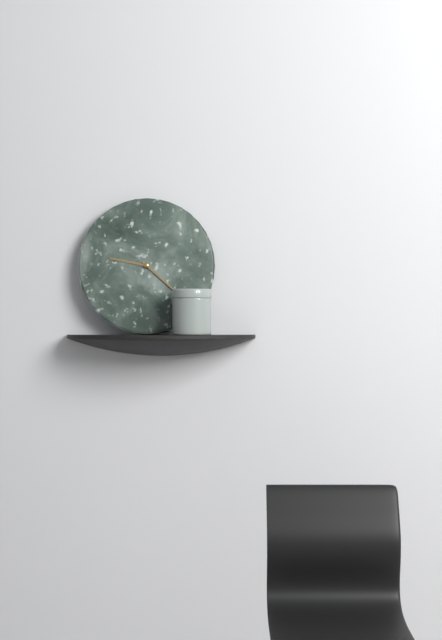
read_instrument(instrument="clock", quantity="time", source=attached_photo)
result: 9:22
